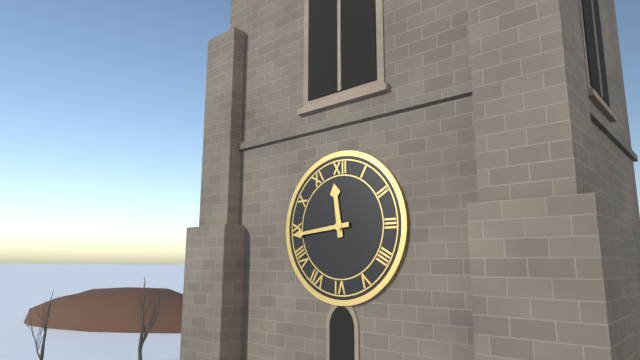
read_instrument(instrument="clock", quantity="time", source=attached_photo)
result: 11:44
